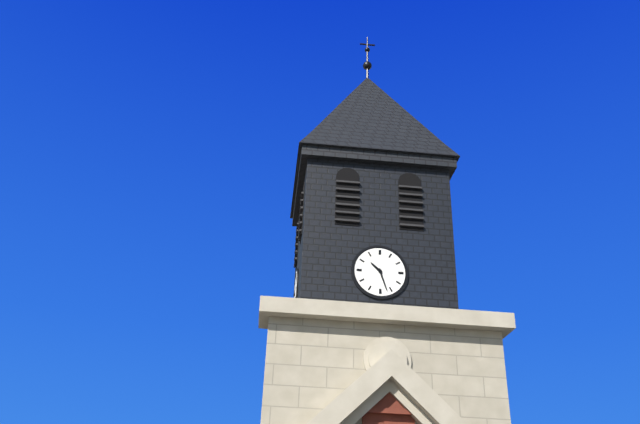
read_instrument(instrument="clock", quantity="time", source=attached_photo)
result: 10:27
